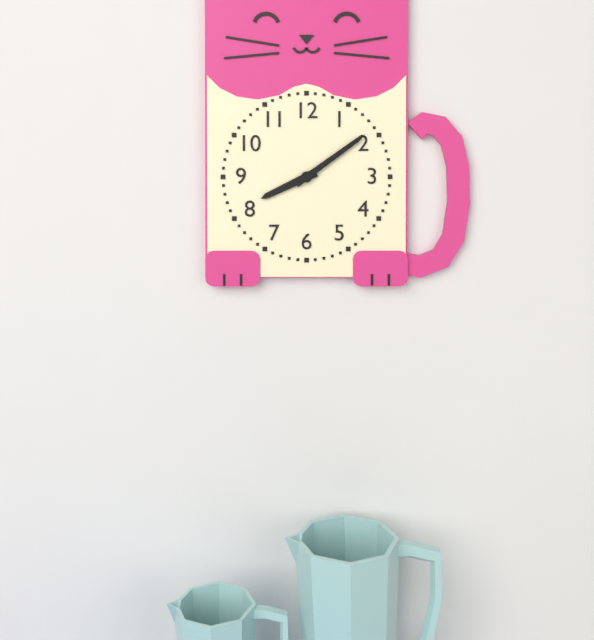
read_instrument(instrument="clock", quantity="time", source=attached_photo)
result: 8:09
